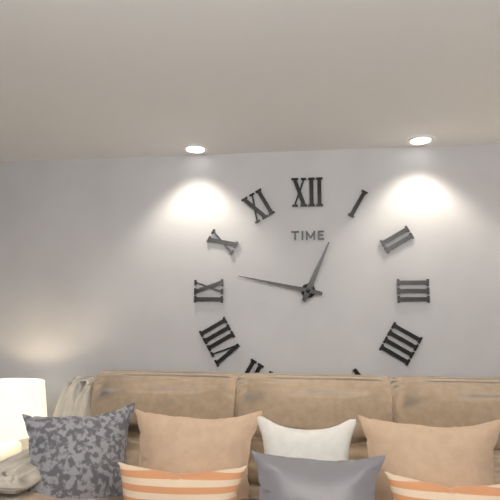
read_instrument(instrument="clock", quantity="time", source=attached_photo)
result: 12:47
